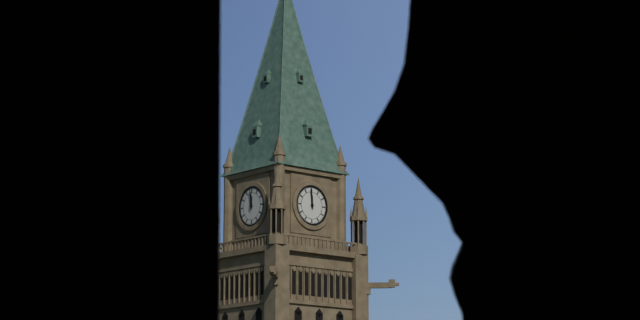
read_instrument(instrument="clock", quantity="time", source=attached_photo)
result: 11:59
